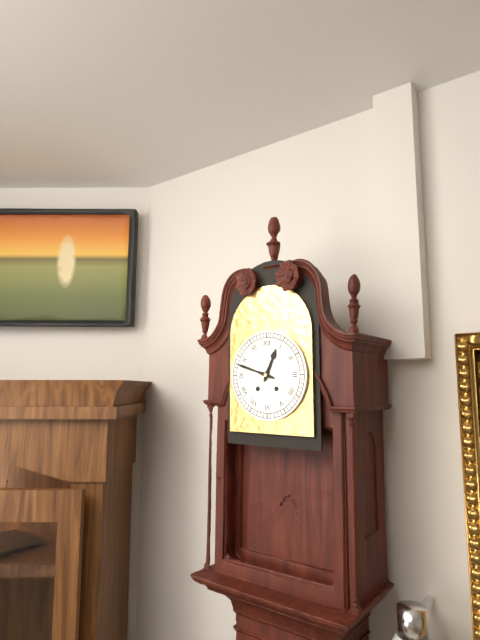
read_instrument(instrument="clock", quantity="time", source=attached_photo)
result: 12:48
